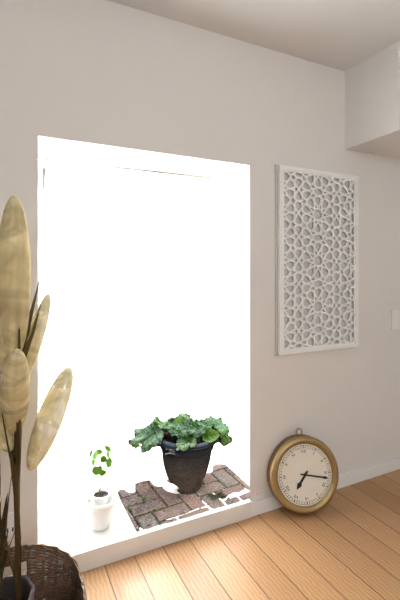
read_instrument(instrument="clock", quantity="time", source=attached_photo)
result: 7:17
